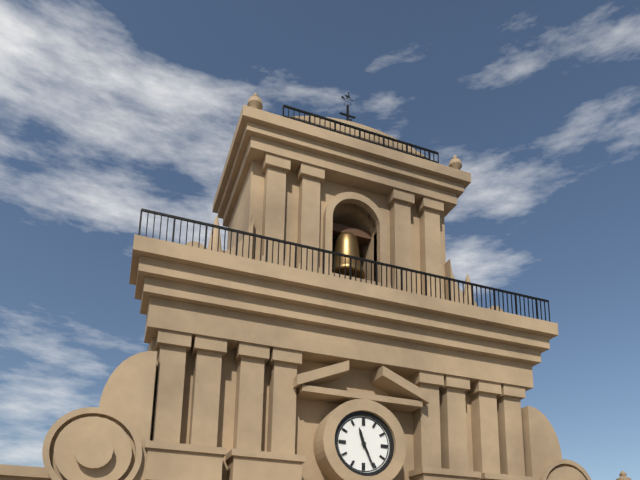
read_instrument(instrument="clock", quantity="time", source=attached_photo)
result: 11:26
